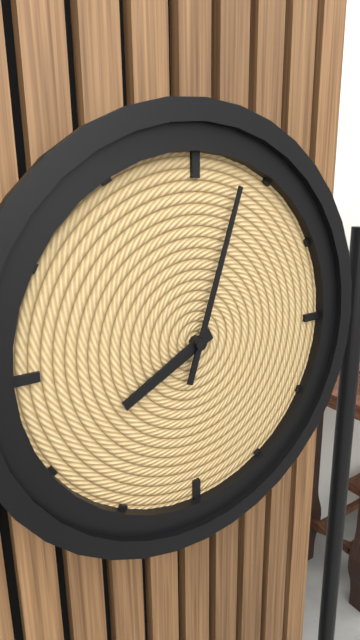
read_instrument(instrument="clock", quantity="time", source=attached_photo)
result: 8:03
